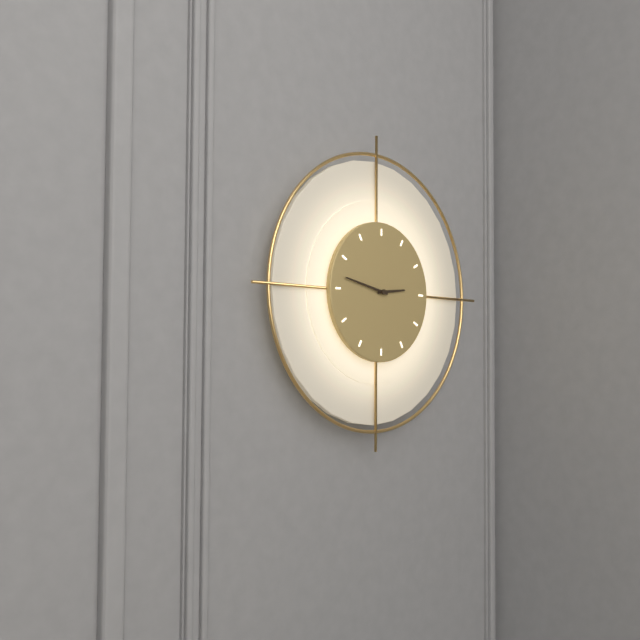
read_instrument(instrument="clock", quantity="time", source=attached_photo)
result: 2:47
